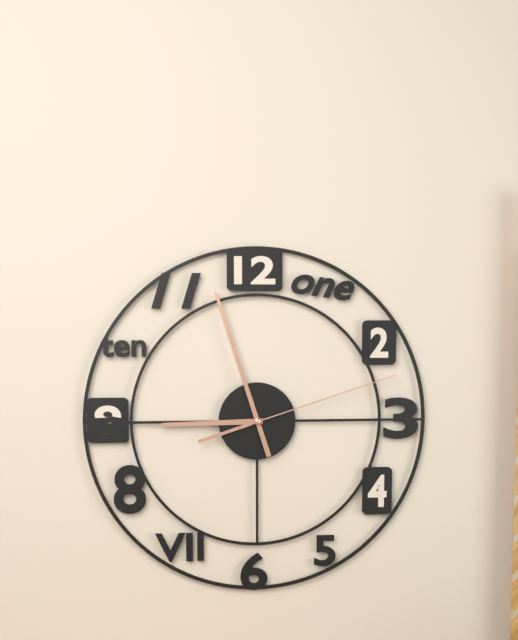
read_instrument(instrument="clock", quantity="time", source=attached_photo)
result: 8:57:12
